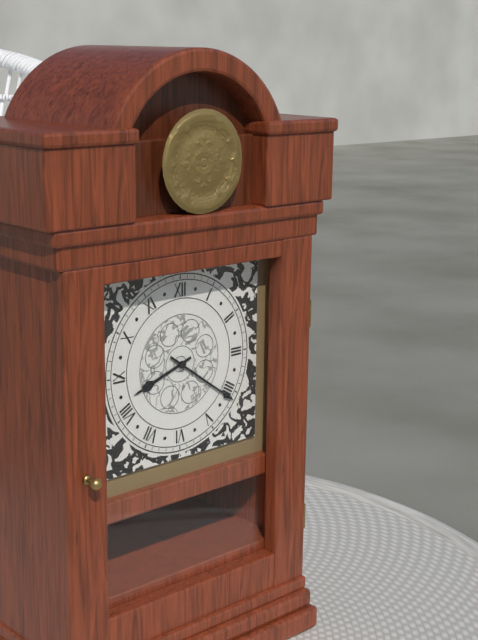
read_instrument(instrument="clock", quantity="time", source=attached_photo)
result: 8:21
